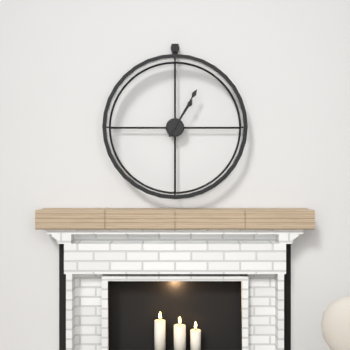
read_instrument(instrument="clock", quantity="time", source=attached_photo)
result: 1:05
